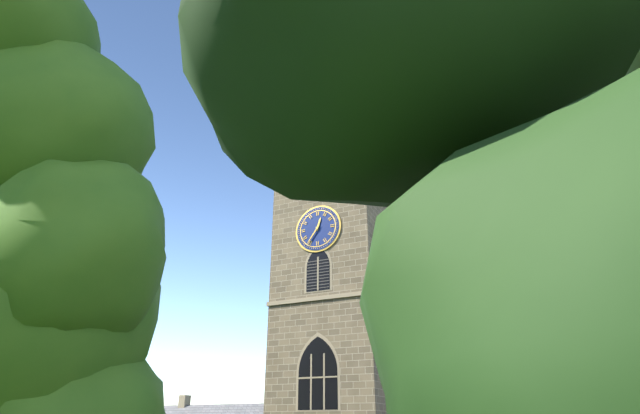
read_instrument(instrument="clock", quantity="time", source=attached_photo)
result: 12:36
